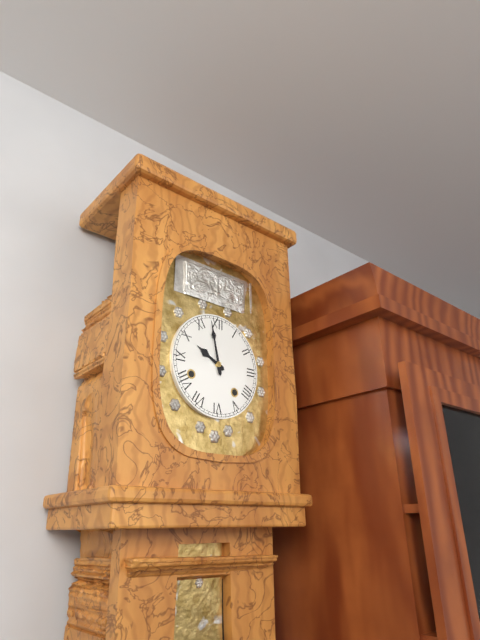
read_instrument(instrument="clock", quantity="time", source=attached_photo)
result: 9:58
